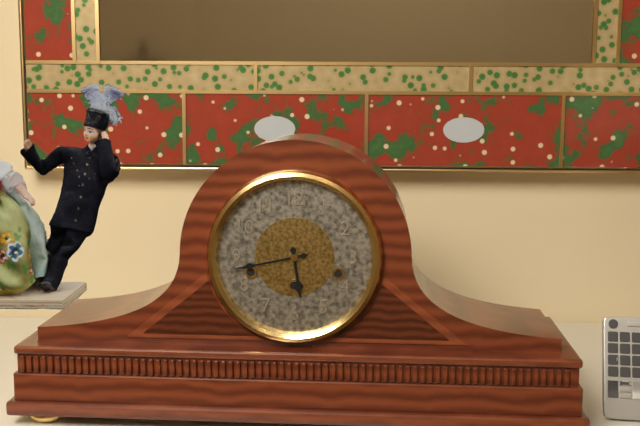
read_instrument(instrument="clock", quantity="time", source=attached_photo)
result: 5:43
